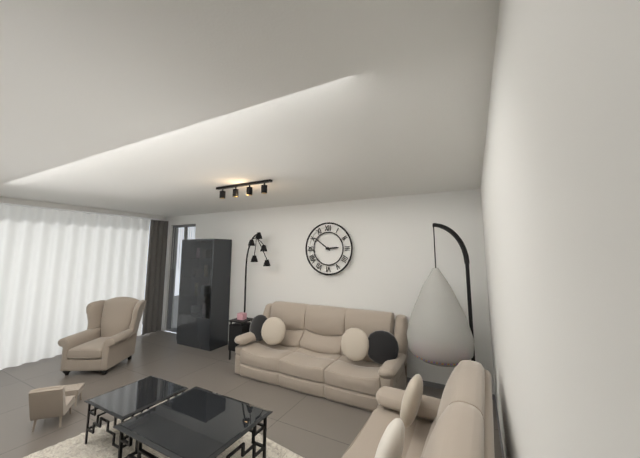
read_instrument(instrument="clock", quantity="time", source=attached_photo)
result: 2:51
